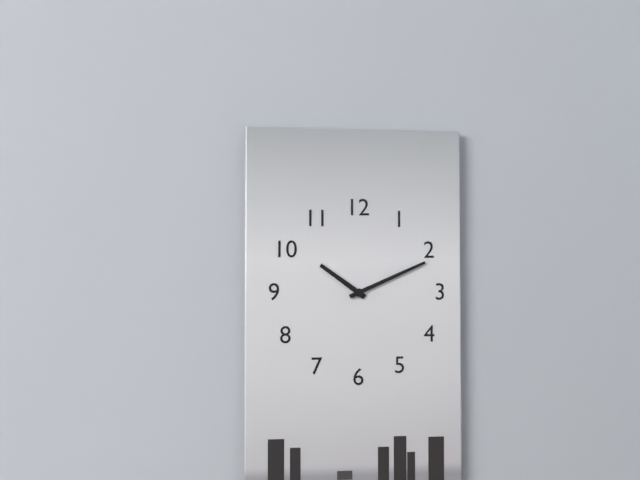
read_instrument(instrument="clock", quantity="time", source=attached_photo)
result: 10:11
